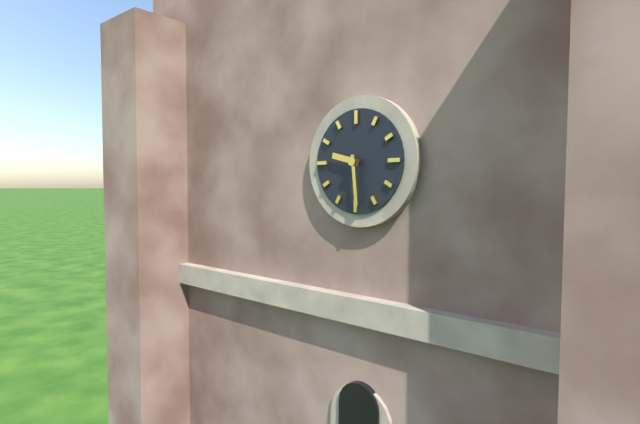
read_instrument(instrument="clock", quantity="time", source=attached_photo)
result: 9:29
